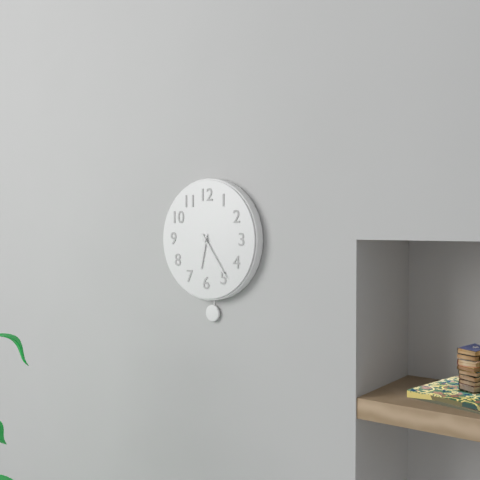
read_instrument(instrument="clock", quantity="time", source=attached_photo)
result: 6:24
